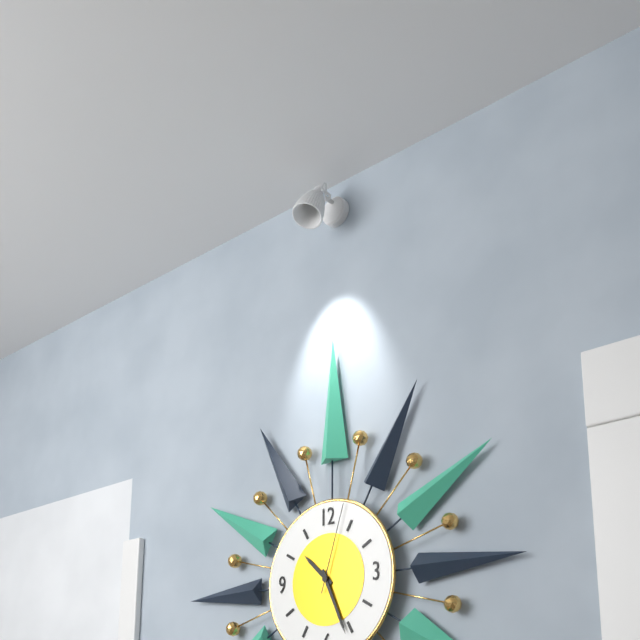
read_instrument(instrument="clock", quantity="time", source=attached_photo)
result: 10:26:03
